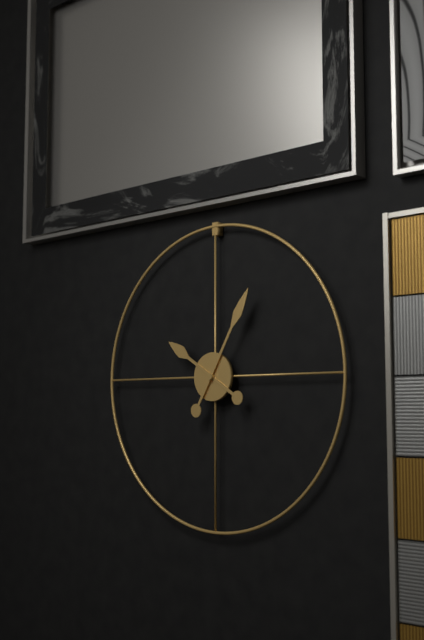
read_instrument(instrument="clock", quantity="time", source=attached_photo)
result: 10:05
